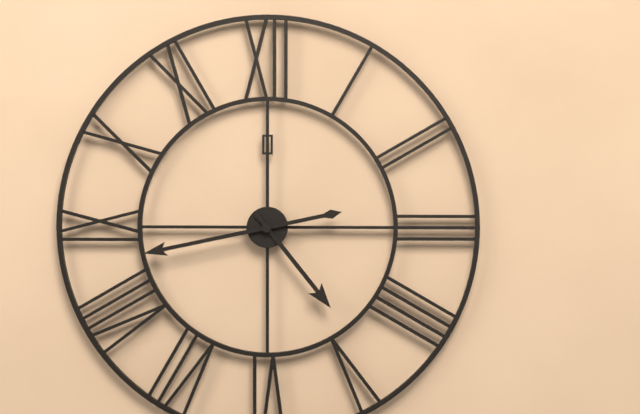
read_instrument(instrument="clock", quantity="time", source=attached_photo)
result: 4:43
